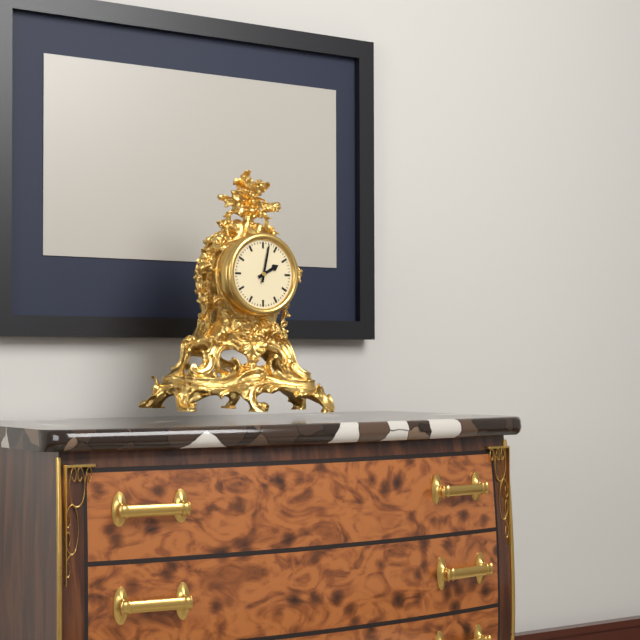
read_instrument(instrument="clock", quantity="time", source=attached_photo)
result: 2:02
